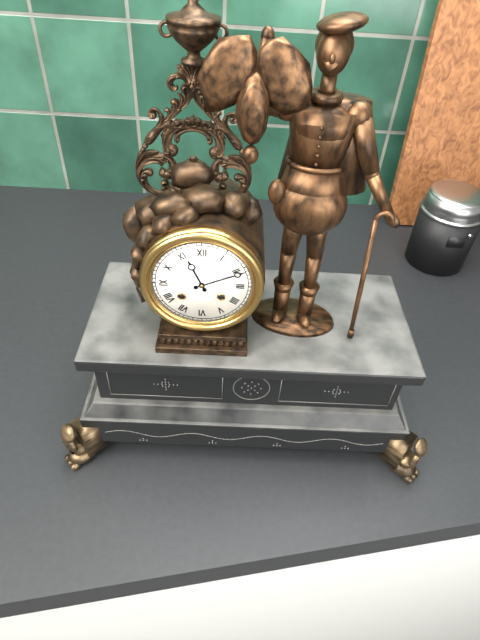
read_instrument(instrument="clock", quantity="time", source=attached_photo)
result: 11:11
